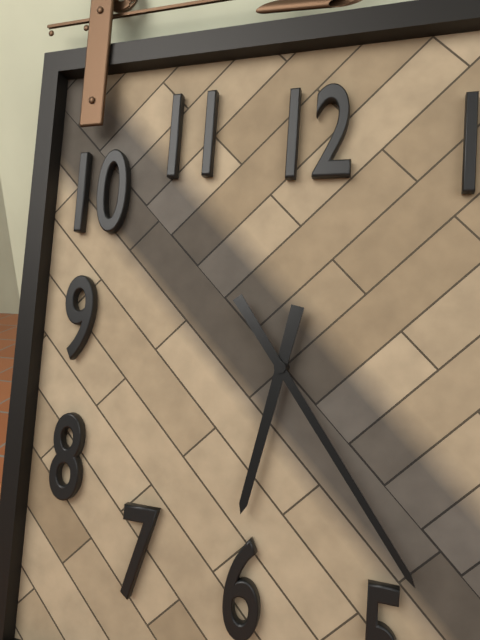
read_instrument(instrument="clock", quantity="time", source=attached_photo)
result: 6:24
